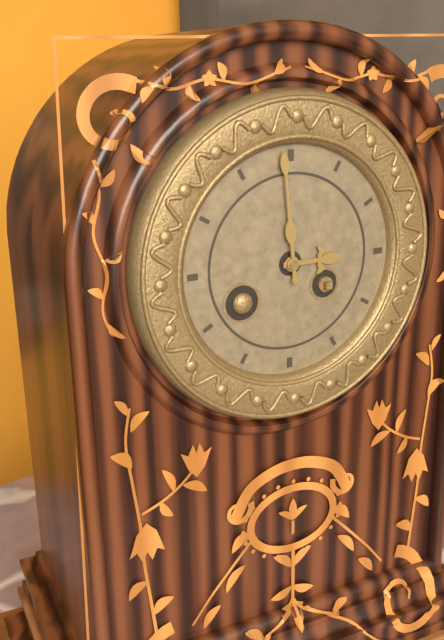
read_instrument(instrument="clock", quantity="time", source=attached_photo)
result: 2:59
